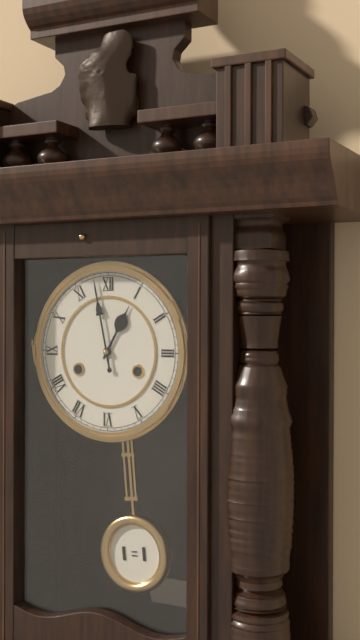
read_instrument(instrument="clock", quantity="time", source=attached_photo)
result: 12:58
